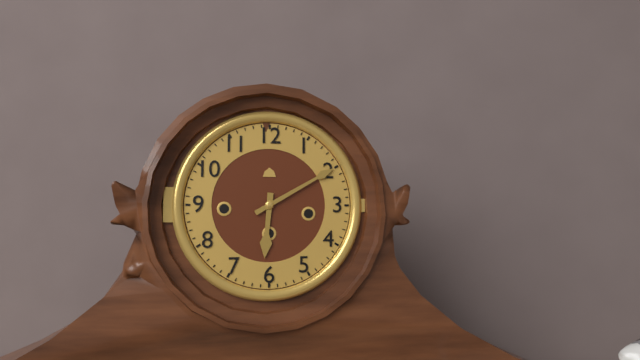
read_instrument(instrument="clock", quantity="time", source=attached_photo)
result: 6:10
